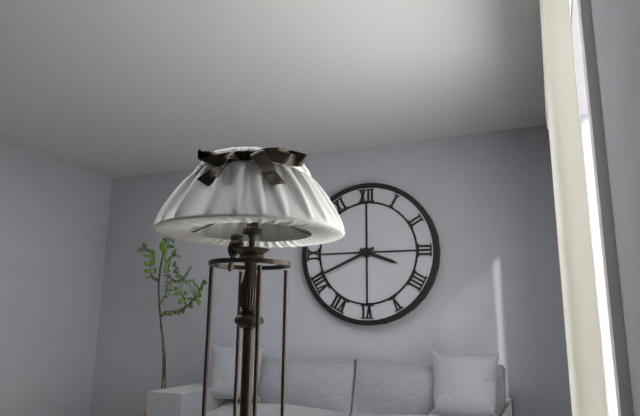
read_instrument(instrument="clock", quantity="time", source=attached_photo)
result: 3:41
